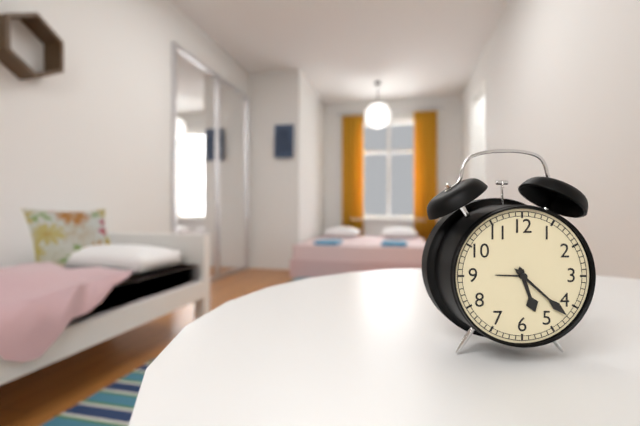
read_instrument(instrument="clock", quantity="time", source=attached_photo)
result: 5:22
